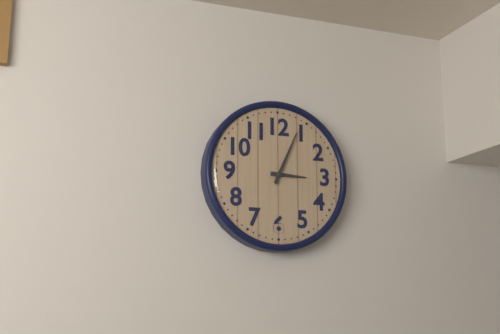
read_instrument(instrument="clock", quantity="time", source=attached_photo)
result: 3:04
